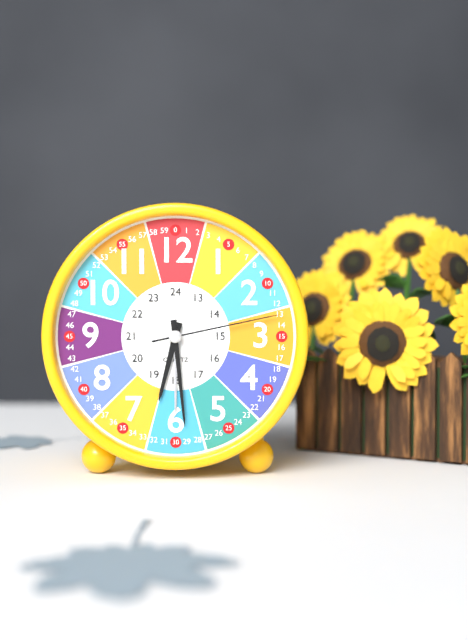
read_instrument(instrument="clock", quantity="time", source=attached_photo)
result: 6:29:13
